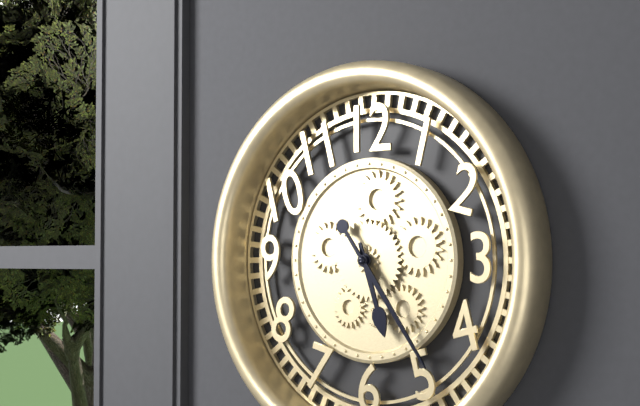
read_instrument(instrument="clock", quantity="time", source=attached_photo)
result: 5:24
